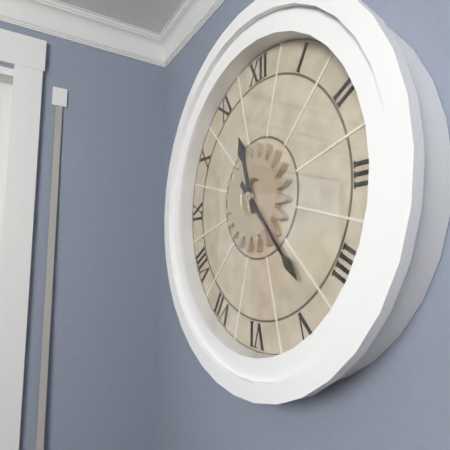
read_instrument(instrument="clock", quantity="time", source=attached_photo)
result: 11:23
